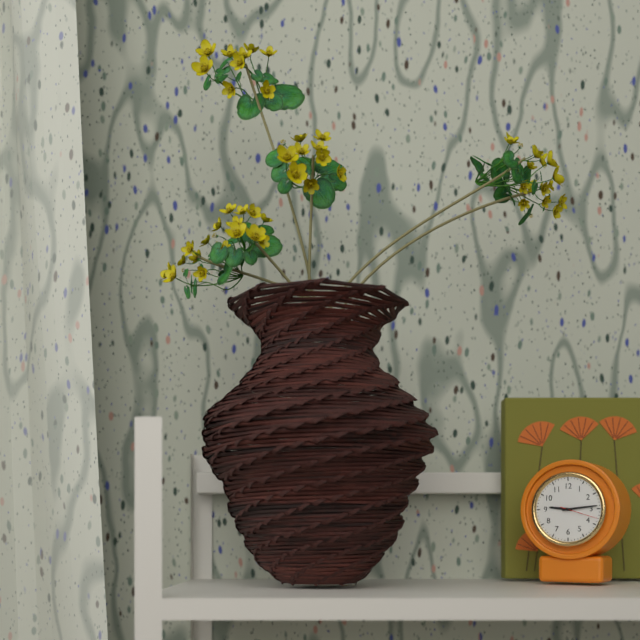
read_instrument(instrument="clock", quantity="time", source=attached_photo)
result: 9:14
